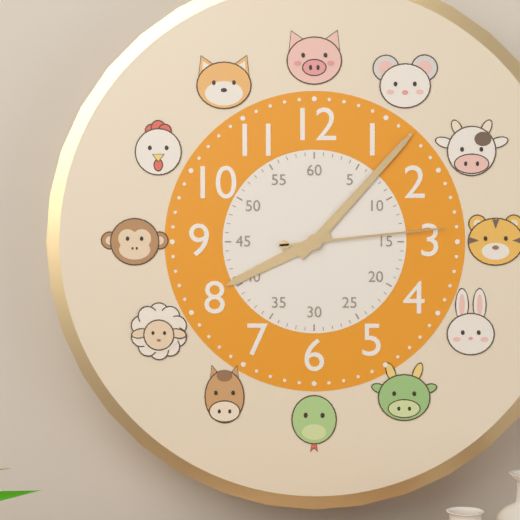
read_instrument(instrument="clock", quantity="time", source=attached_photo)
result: 8:07:14
